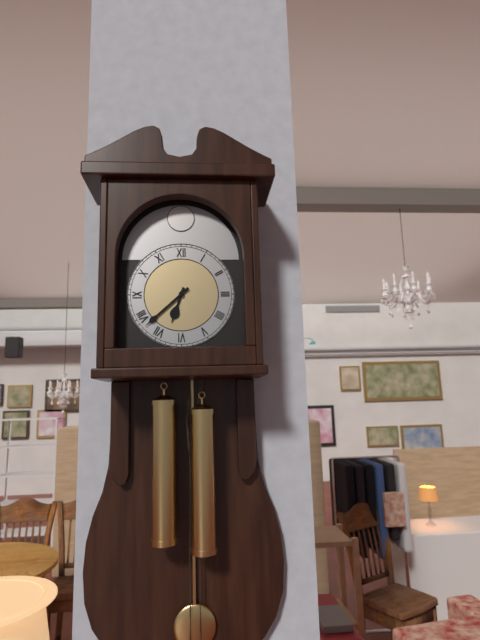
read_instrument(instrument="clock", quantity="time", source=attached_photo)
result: 6:38
